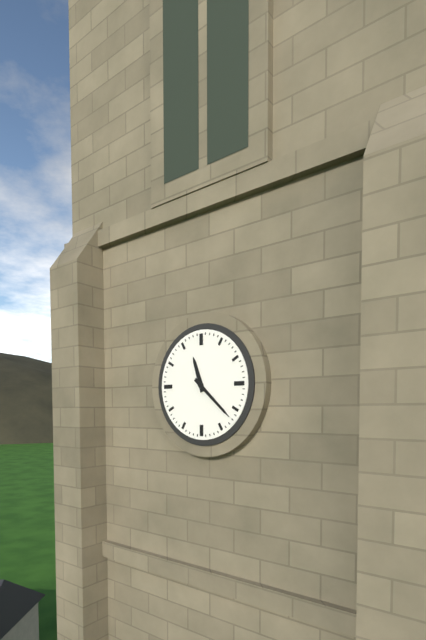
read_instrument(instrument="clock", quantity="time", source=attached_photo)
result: 11:22
